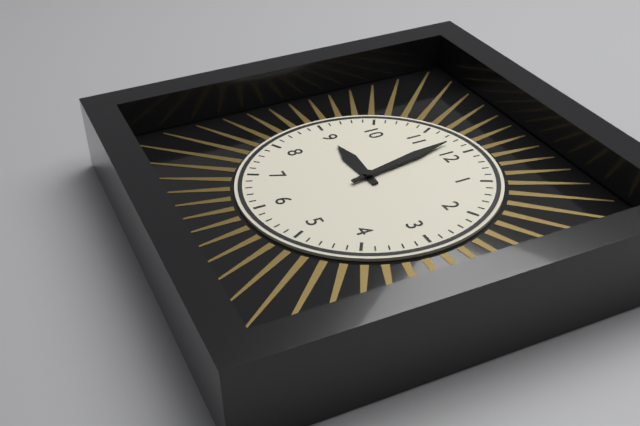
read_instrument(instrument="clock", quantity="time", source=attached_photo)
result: 8:58
